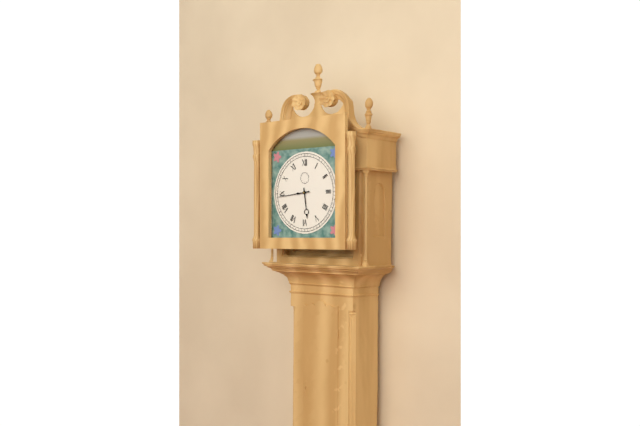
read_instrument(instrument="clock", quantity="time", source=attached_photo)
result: 5:44
